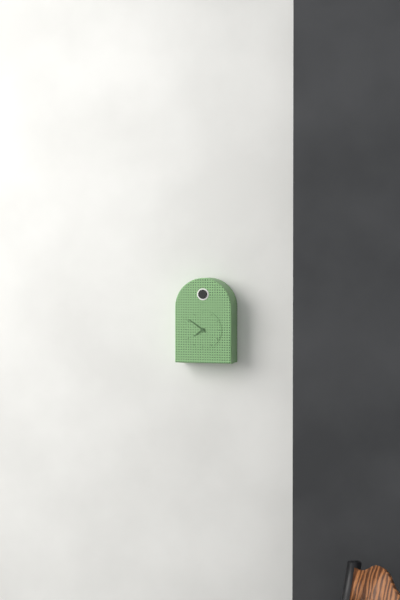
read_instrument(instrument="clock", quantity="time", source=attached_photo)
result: 7:51
